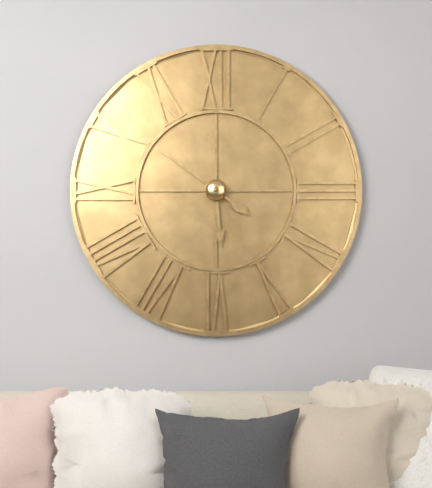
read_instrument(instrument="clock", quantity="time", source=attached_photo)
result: 5:51
